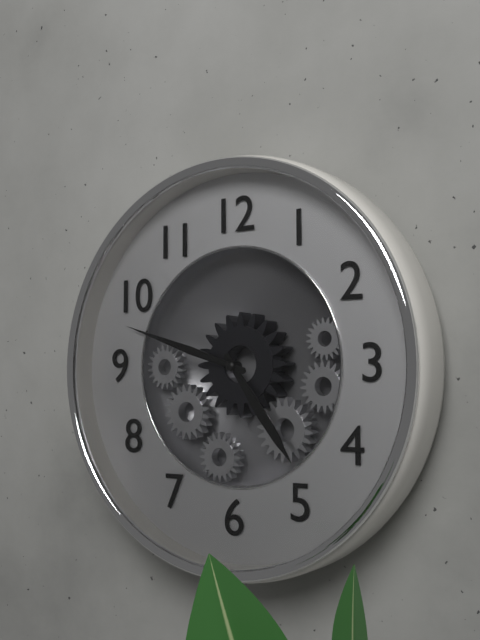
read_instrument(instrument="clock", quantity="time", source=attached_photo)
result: 4:48
